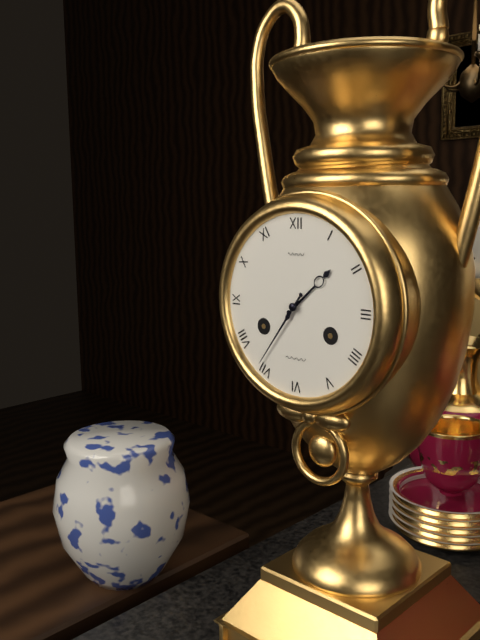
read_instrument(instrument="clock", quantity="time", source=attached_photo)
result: 1:36
